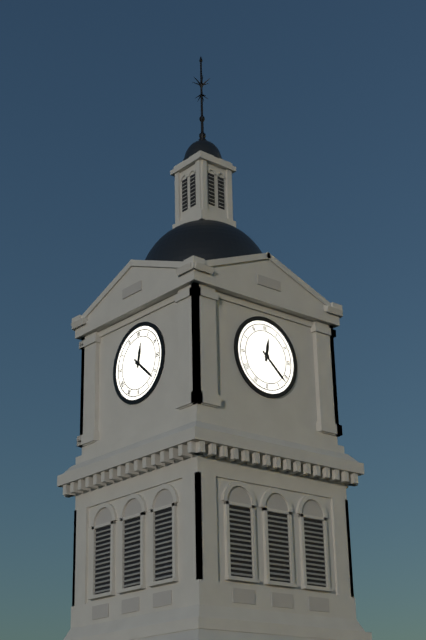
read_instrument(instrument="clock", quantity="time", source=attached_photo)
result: 12:22
